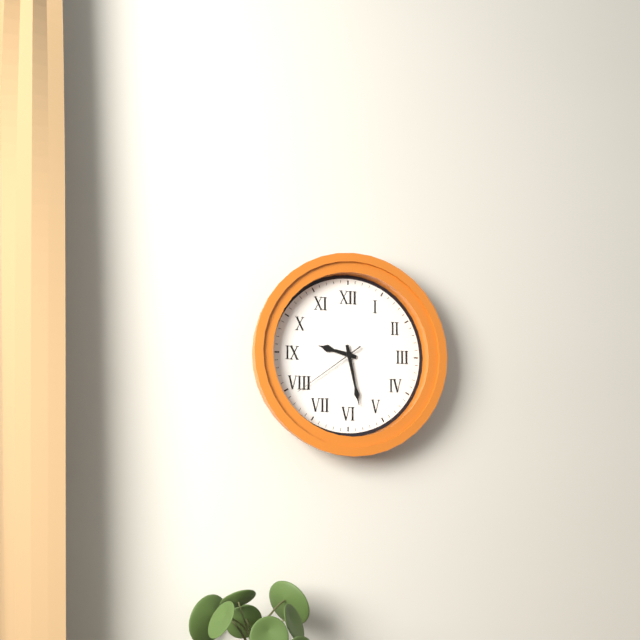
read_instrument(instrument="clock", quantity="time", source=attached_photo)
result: 9:28:39
